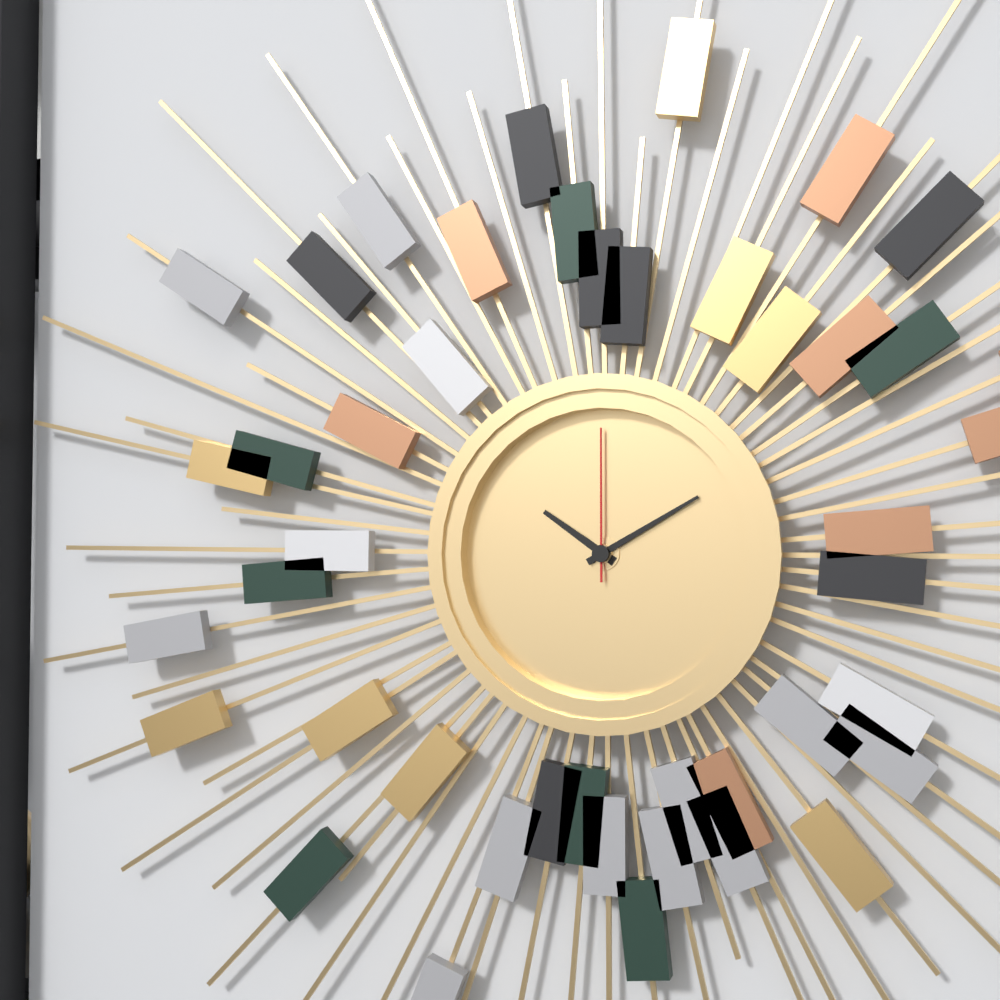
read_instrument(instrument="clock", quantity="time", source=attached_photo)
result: 10:10:00
